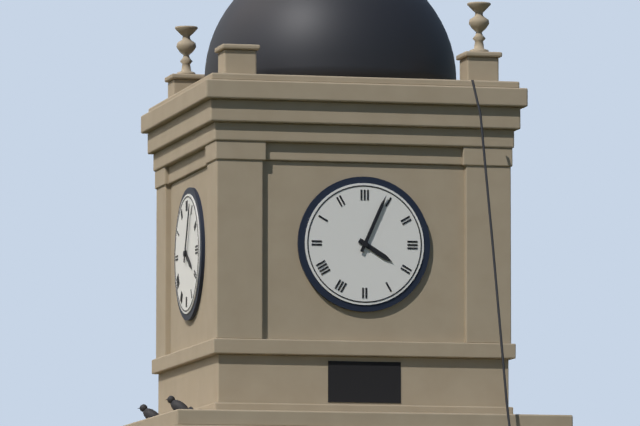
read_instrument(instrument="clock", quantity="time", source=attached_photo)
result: 4:04
